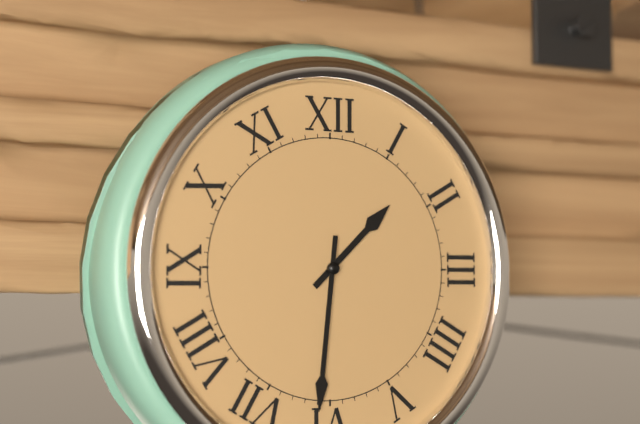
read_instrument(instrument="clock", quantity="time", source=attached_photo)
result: 1:31
